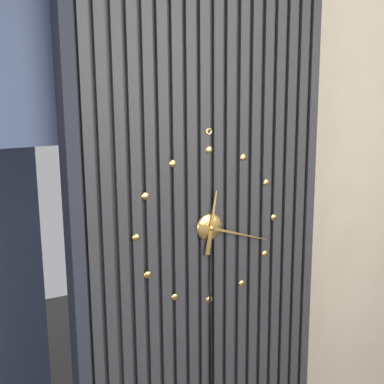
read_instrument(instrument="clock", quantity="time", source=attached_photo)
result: 12:18
